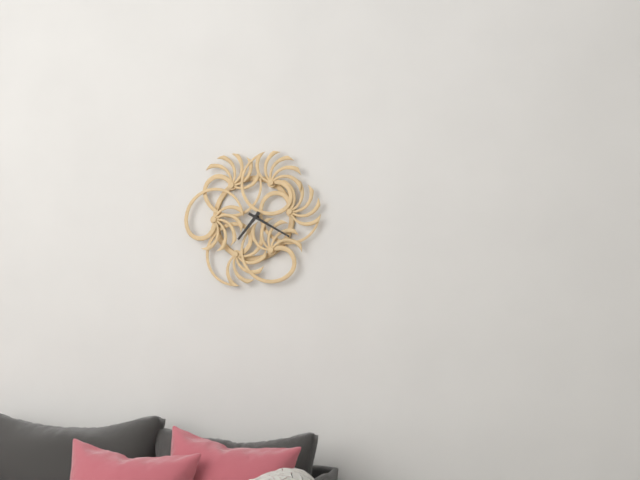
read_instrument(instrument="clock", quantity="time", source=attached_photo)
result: 7:20
